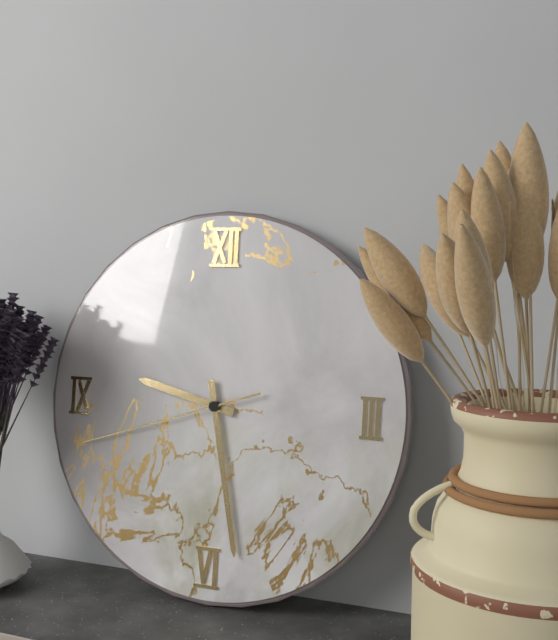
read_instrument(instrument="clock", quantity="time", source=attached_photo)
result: 9:28:42
